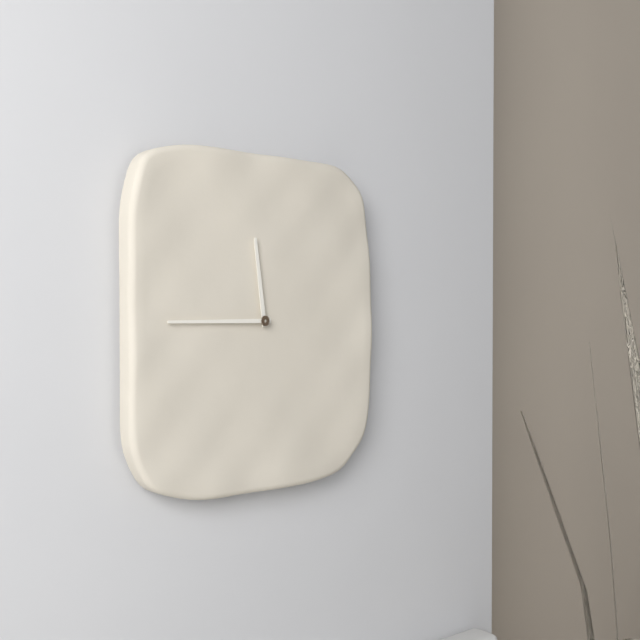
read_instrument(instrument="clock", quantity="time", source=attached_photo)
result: 11:45
